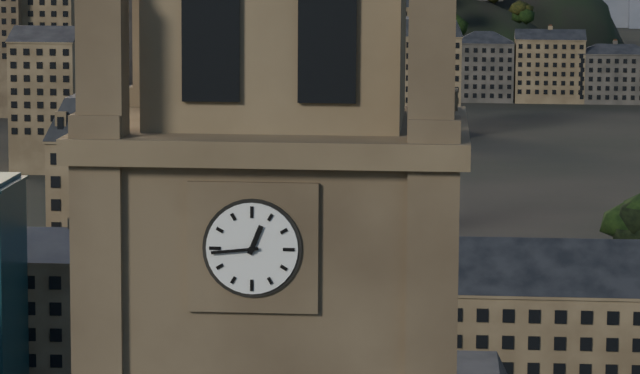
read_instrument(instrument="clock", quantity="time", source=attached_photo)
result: 12:44
